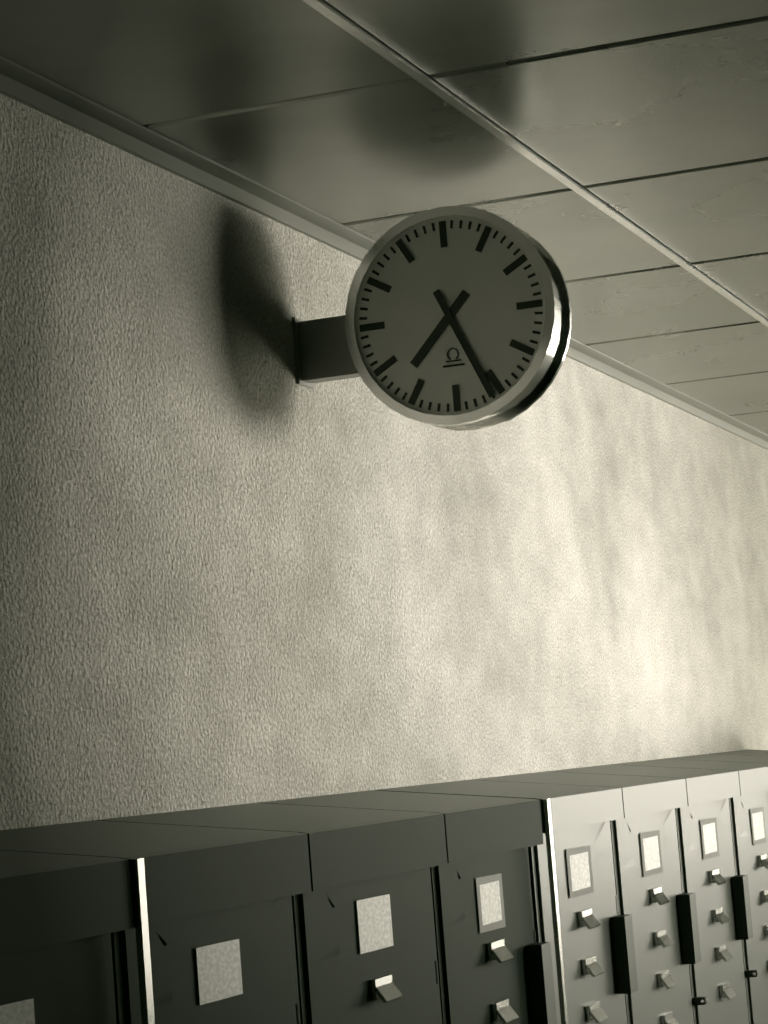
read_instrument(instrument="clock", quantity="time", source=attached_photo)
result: 7:26
